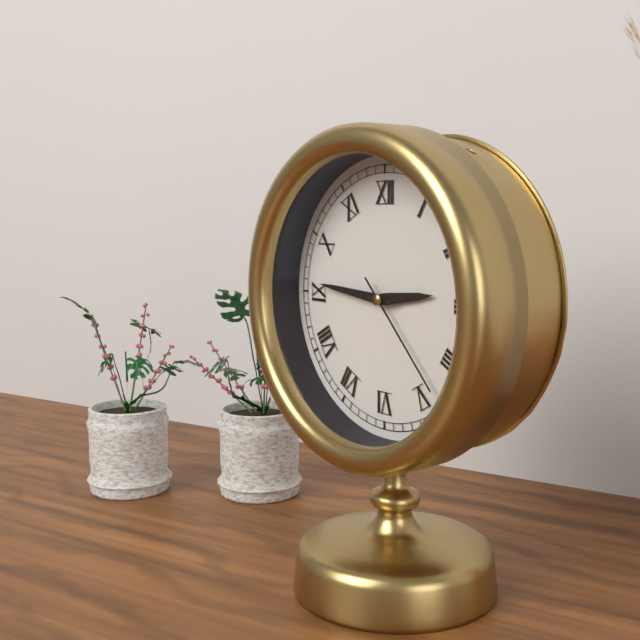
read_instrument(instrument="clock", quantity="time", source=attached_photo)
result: 2:46:23
